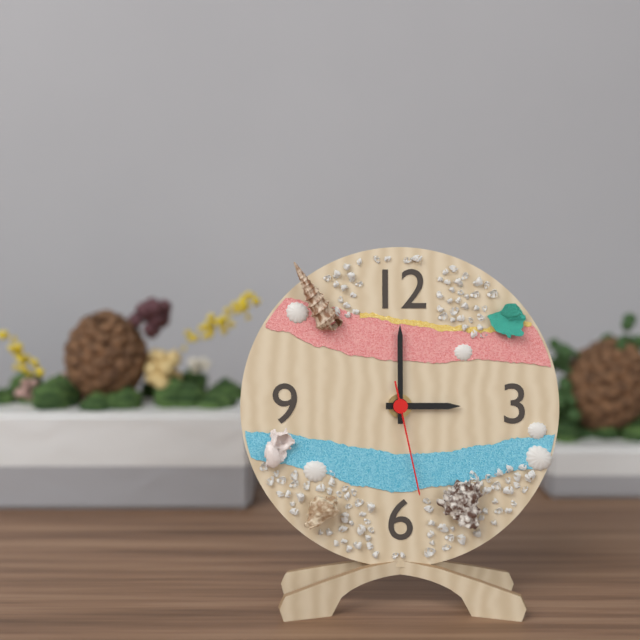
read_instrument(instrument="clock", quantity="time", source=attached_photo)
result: 3:00:28
